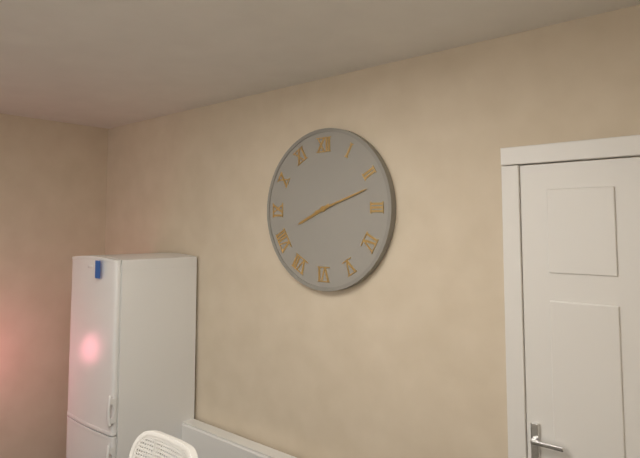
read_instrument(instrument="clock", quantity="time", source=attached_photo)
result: 8:12
